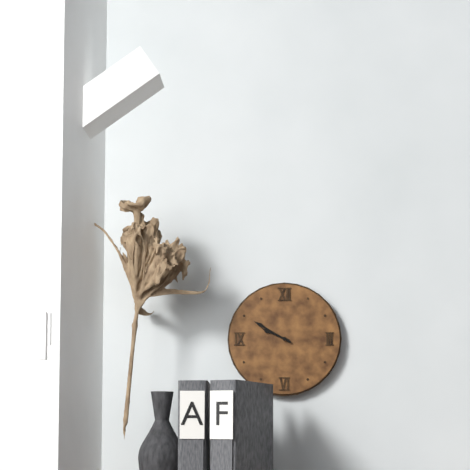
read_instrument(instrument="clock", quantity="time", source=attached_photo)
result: 9:50
